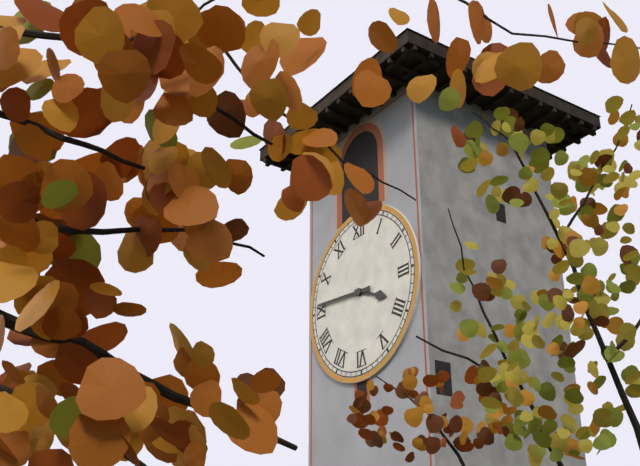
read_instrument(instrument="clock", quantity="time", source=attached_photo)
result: 3:46
